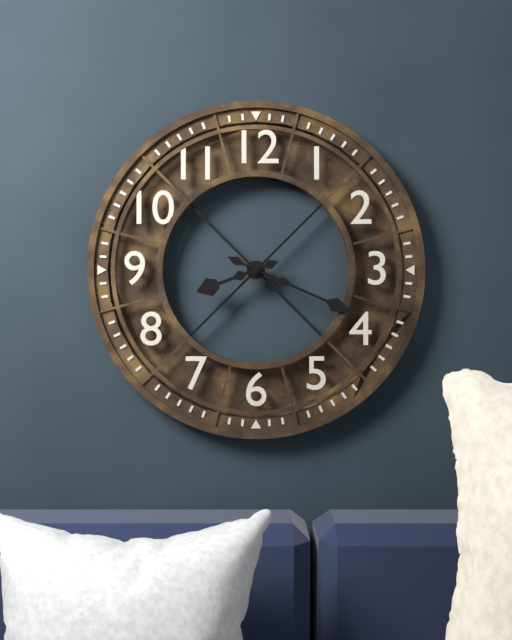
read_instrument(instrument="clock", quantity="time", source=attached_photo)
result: 8:19
